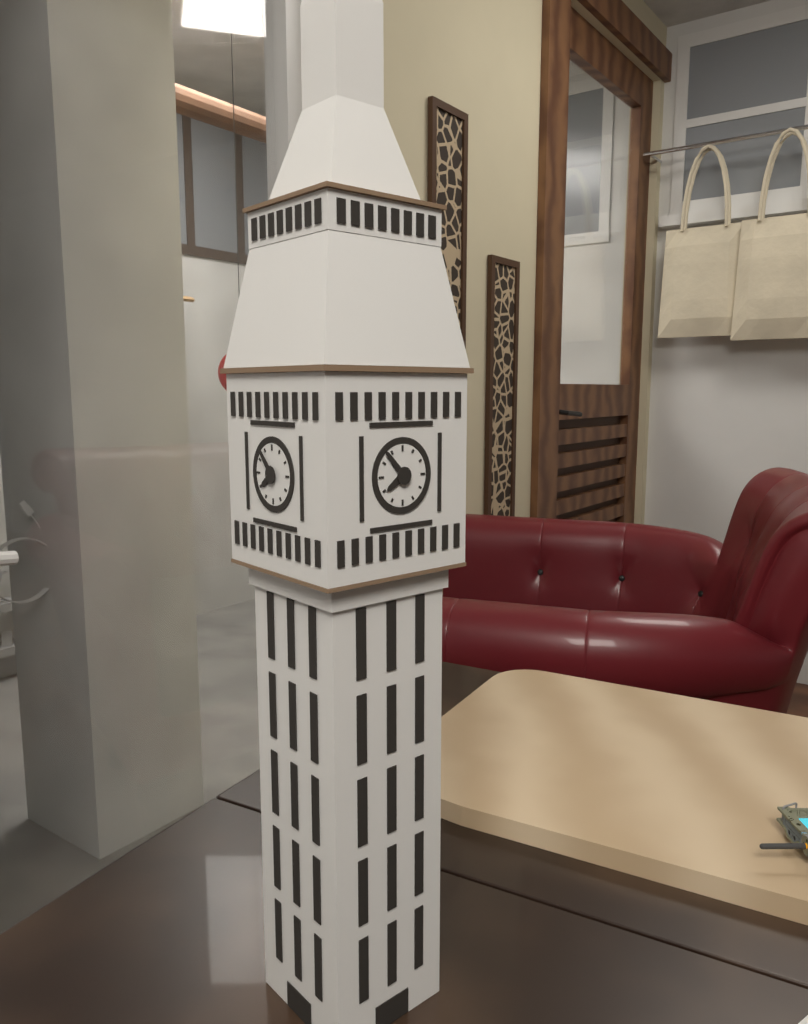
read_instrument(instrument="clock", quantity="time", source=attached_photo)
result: 7:53
